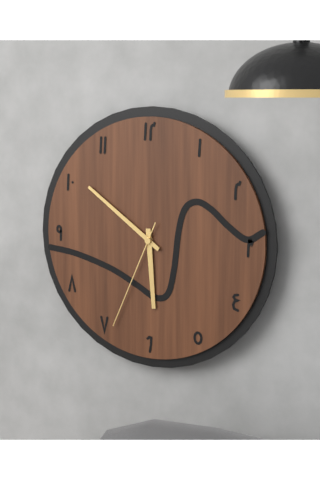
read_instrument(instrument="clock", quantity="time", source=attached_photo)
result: 5:51:34
